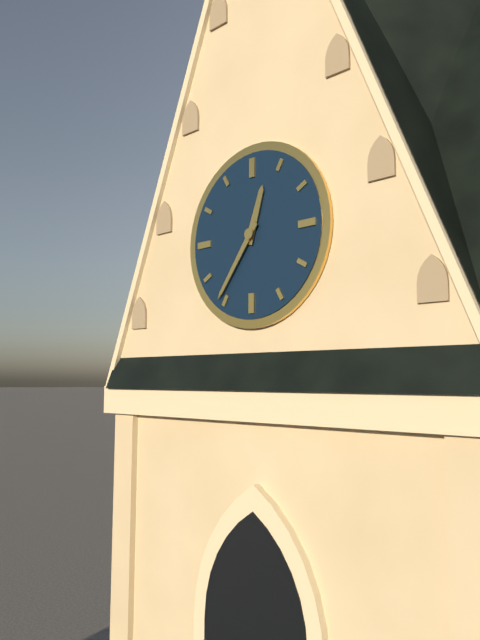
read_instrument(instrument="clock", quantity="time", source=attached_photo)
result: 12:36
